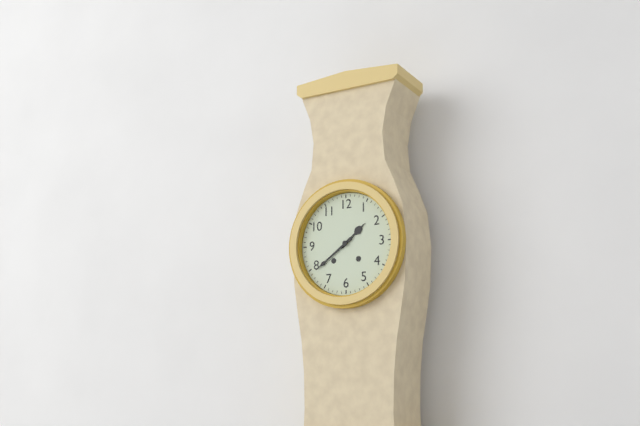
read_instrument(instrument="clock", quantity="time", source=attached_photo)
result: 1:39
